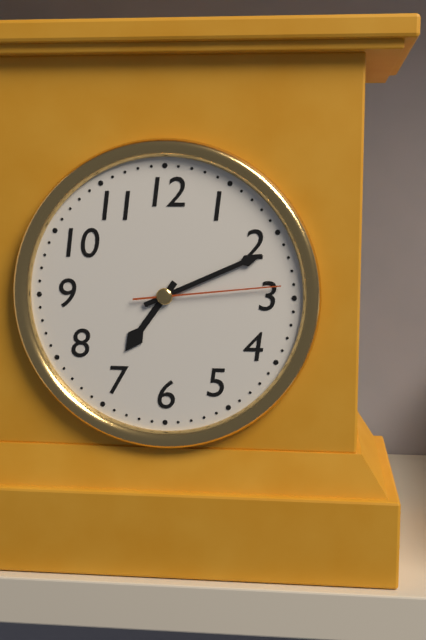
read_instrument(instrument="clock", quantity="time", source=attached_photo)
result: 7:11:14
